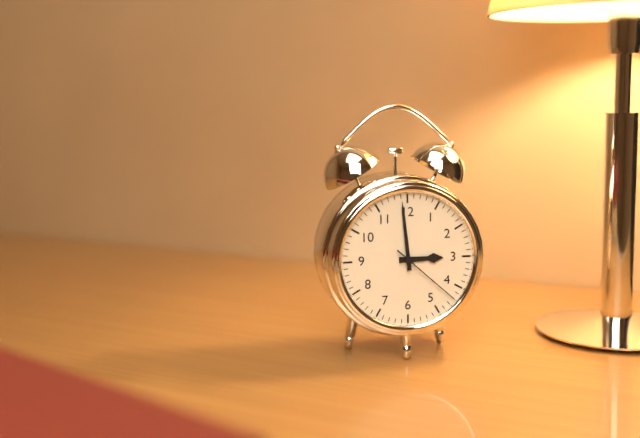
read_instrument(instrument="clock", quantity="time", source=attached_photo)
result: 2:59:22
